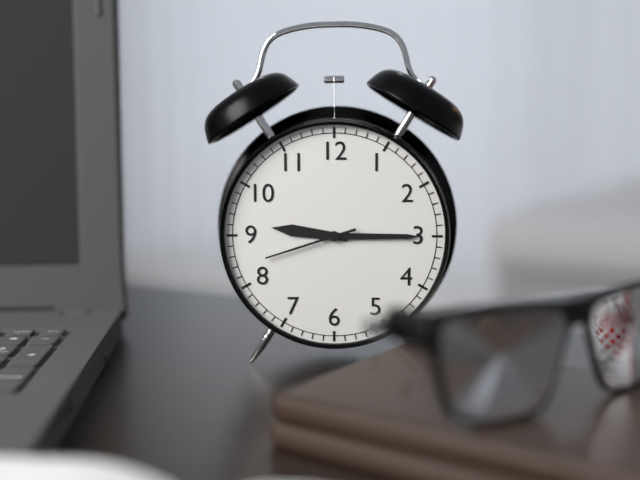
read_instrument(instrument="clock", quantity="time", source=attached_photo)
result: 9:15:42
